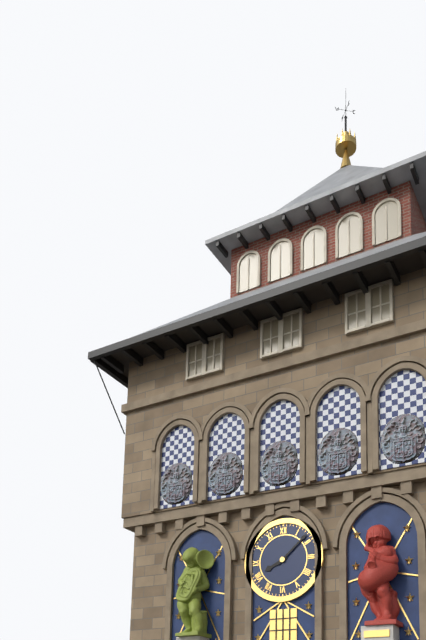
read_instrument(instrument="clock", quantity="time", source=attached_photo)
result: 8:08
